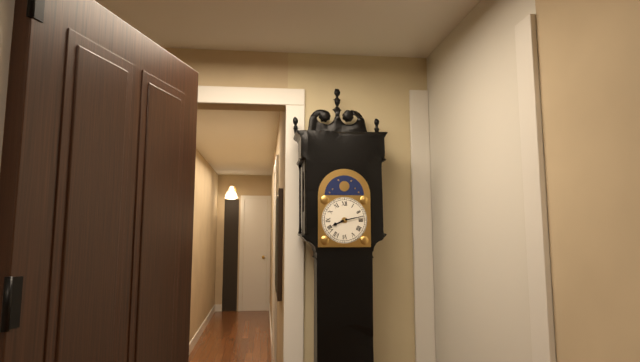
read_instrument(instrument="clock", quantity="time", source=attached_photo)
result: 8:13
